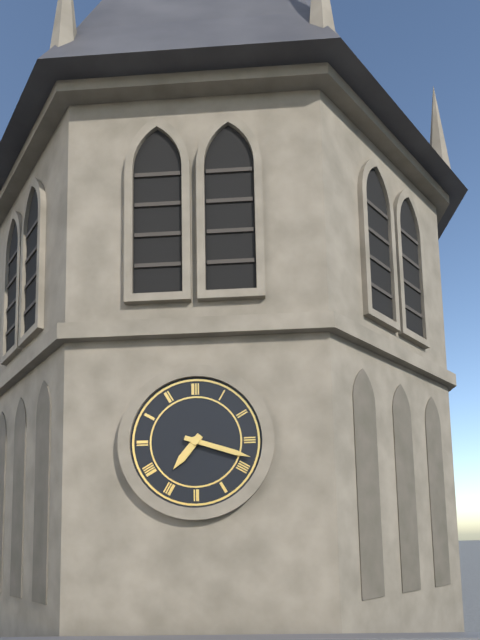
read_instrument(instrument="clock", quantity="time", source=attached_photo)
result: 7:18
